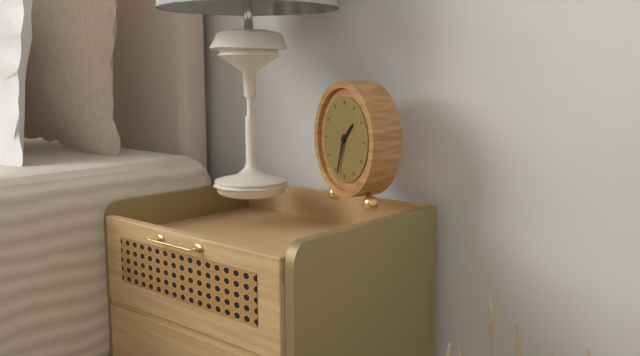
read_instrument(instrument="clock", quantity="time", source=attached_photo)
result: 1:33
